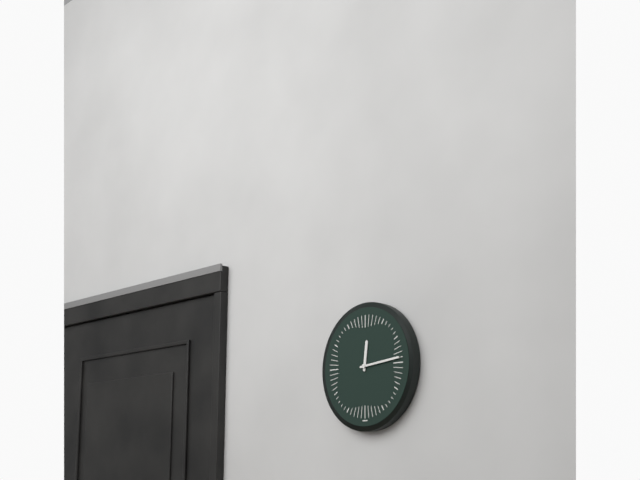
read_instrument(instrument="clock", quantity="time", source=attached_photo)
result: 12:14
